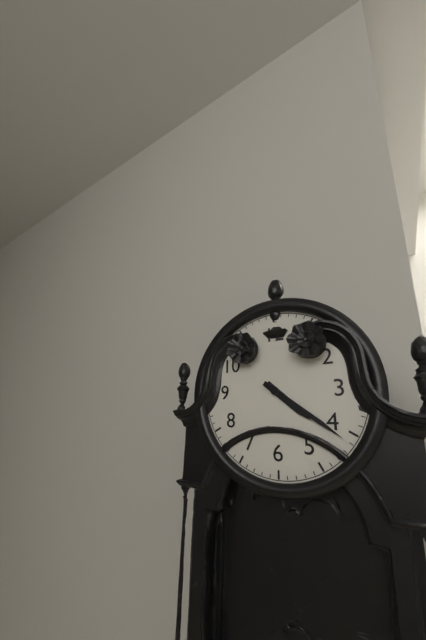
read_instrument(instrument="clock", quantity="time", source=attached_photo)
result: 4:21
